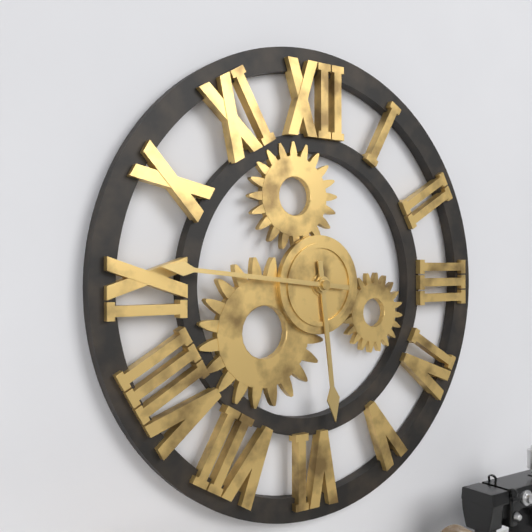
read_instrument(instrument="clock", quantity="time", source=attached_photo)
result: 5:46
